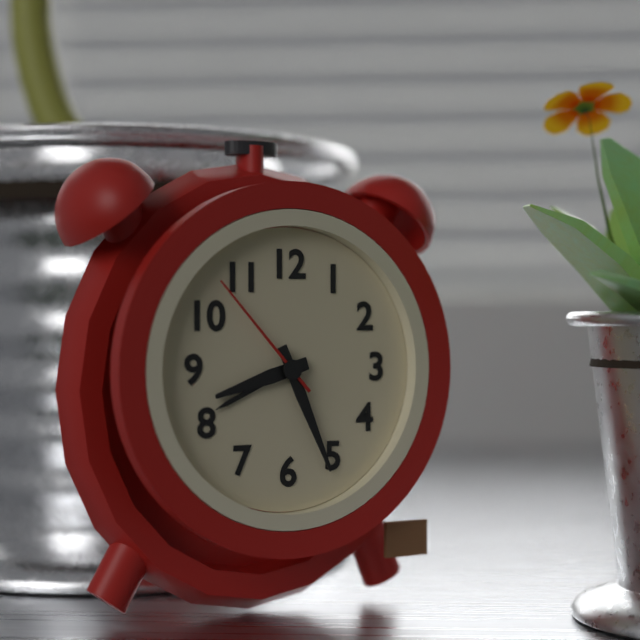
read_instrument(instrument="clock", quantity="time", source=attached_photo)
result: 8:26:53
